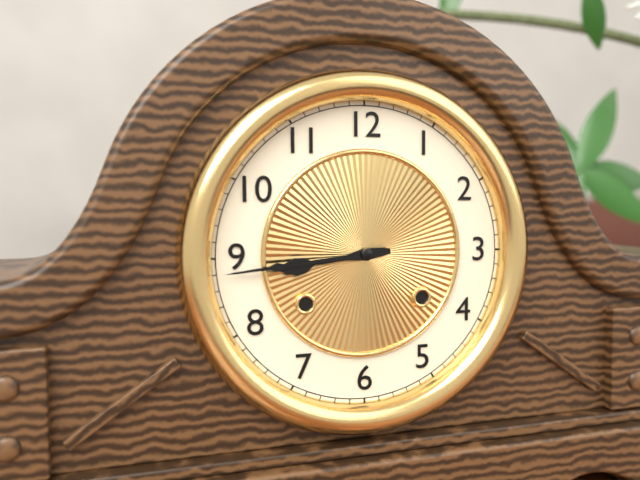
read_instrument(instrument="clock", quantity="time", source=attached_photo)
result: 8:44
